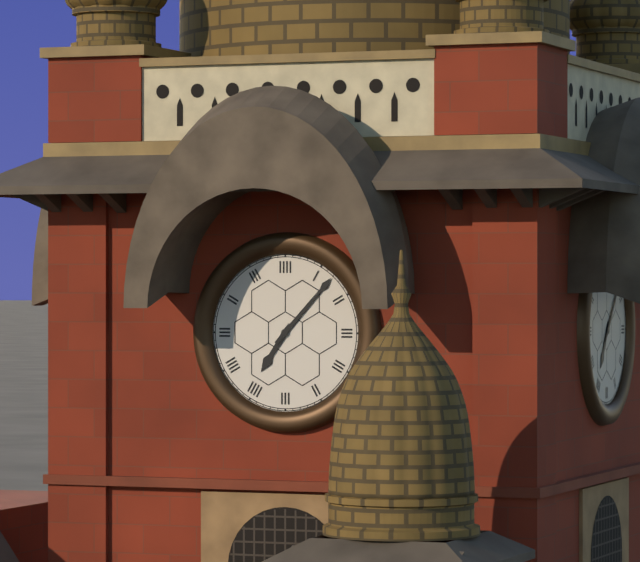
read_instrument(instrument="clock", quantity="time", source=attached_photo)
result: 7:07
